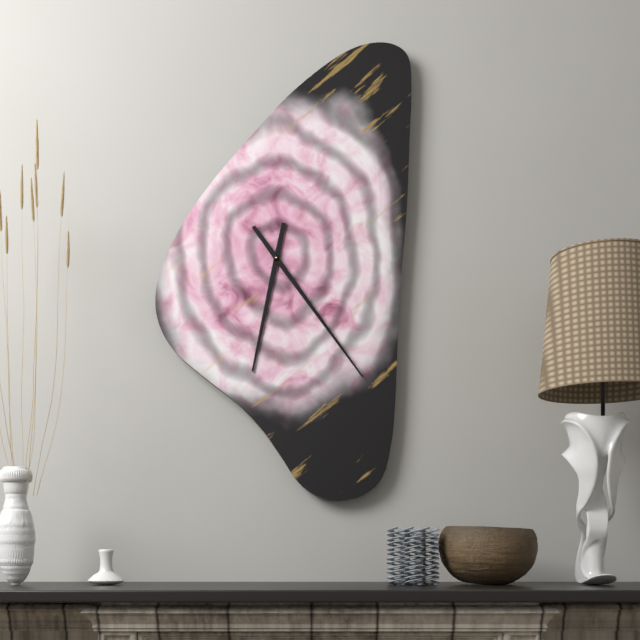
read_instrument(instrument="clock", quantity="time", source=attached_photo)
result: 6:24
